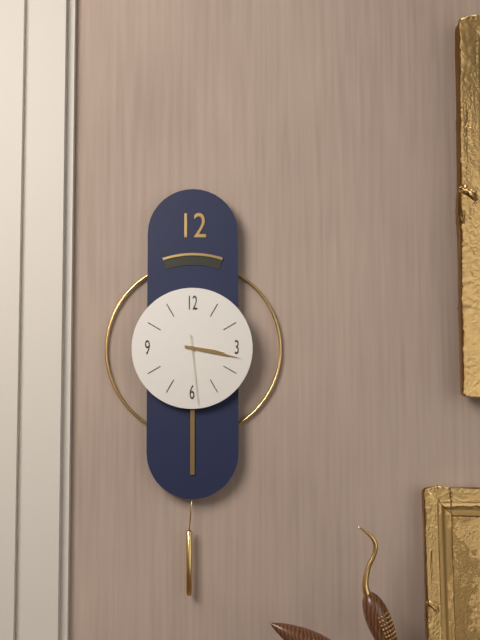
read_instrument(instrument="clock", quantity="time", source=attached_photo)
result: 3:17:29
